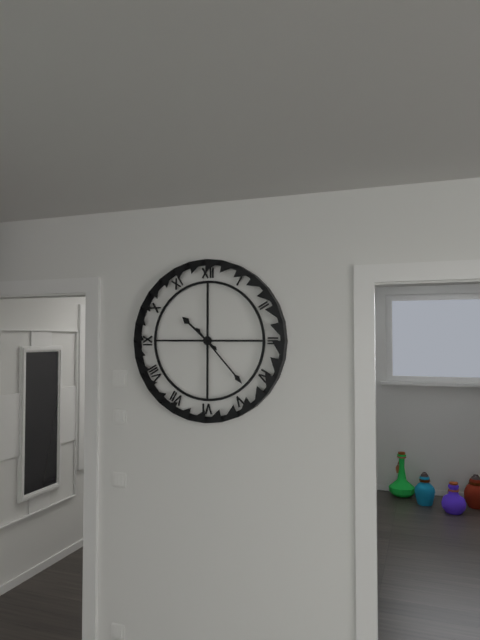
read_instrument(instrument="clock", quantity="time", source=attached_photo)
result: 10:23
